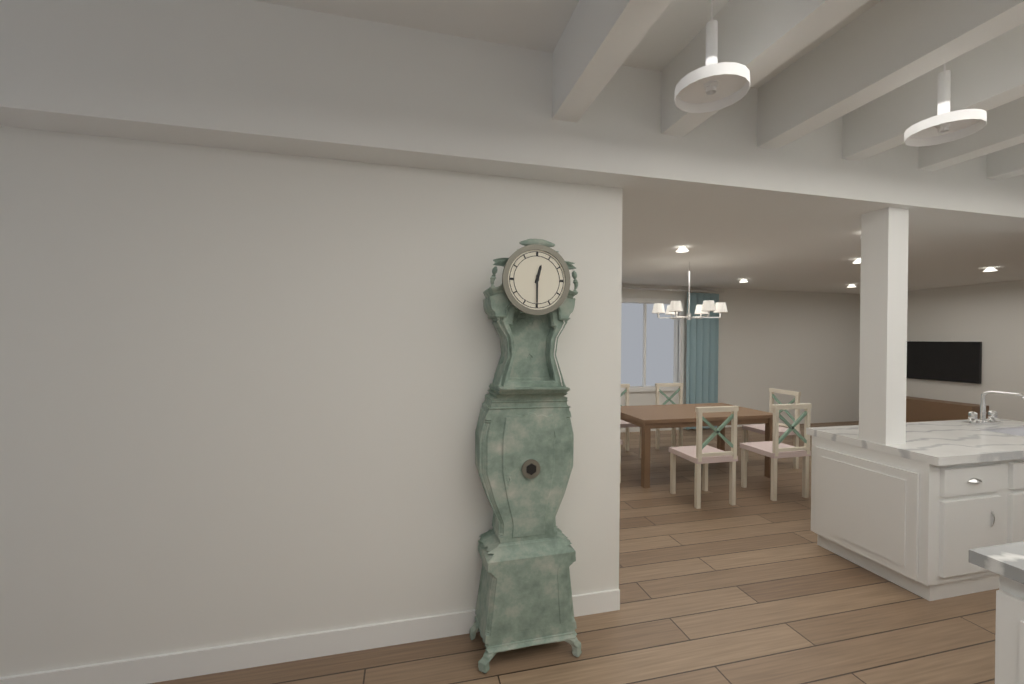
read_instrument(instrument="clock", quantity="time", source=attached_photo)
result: 12:30
